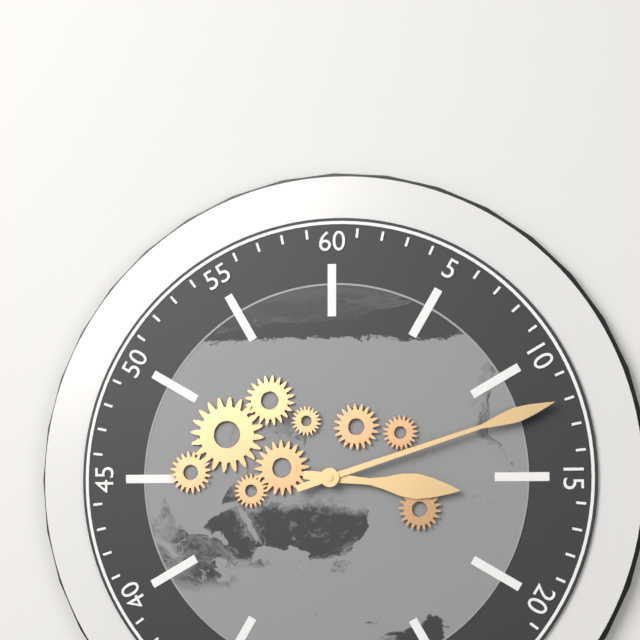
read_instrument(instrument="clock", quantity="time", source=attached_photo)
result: 3:12
